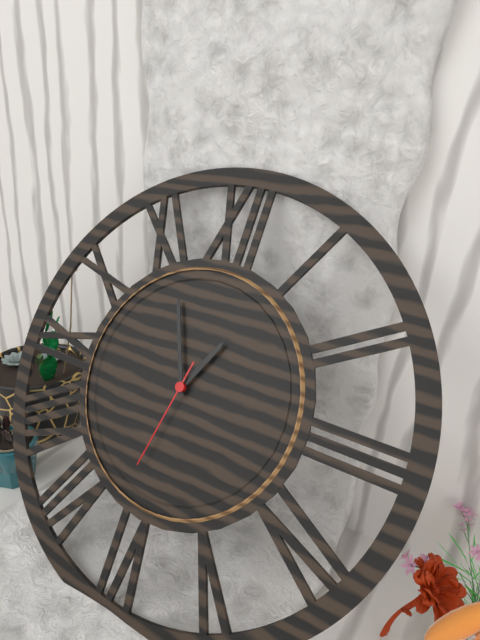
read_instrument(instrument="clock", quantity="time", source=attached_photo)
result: 12:56:32
